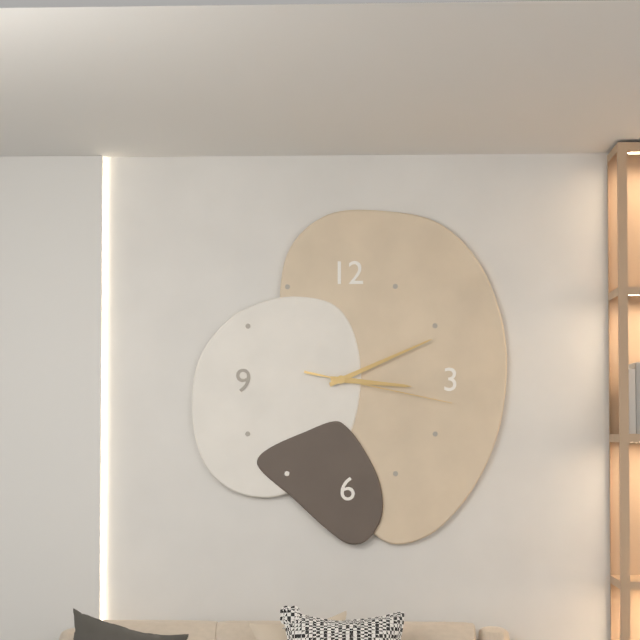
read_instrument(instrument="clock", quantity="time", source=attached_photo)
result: 3:11:17
